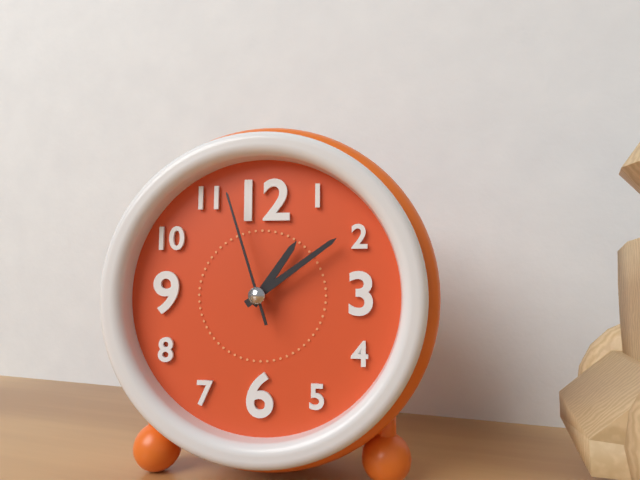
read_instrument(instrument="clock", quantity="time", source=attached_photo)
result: 1:09:57
